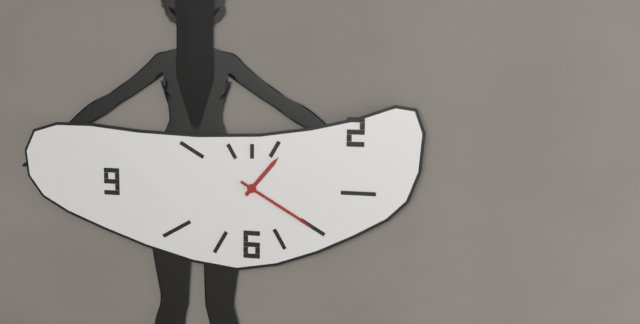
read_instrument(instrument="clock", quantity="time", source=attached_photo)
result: 1:20
